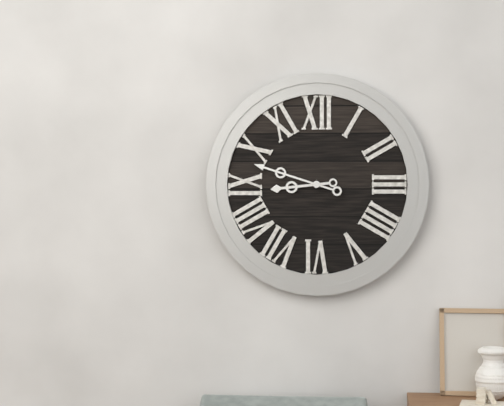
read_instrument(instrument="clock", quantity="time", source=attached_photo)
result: 8:48
